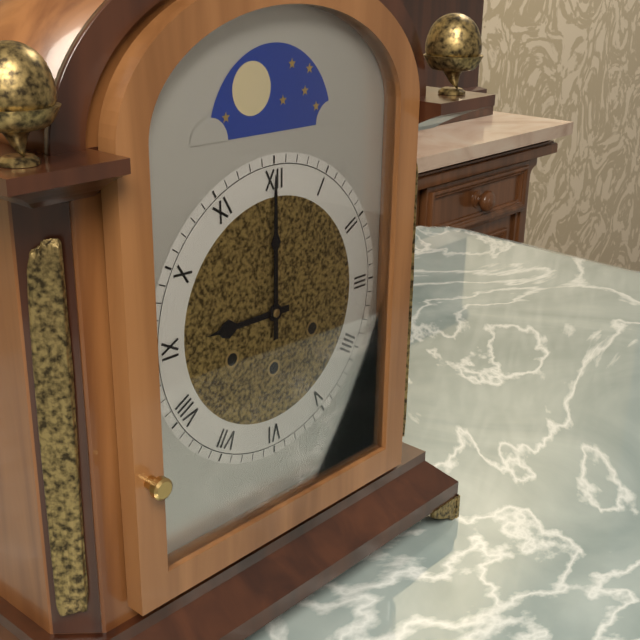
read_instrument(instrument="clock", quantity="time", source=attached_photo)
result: 9:00
